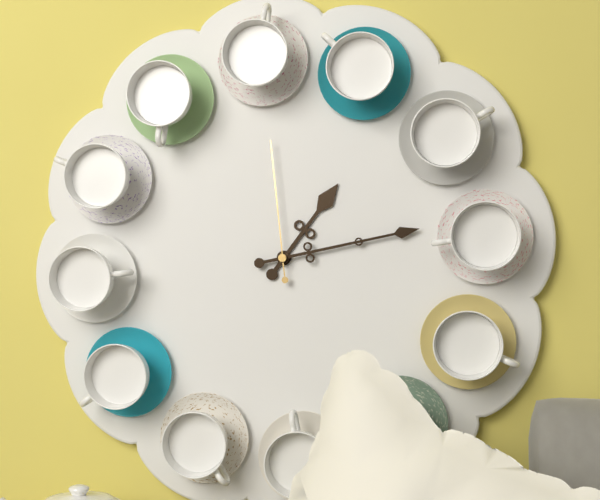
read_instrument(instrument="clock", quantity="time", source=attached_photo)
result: 1:13:59
